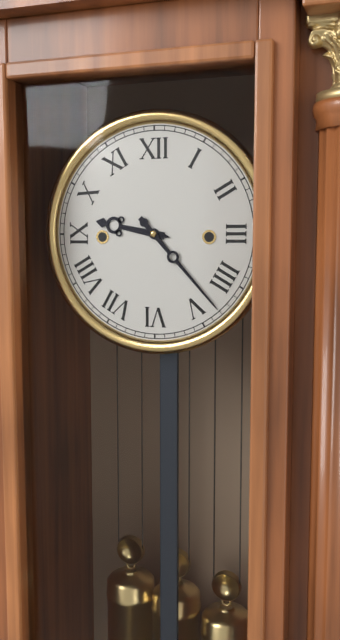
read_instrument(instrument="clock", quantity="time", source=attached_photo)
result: 9:23
